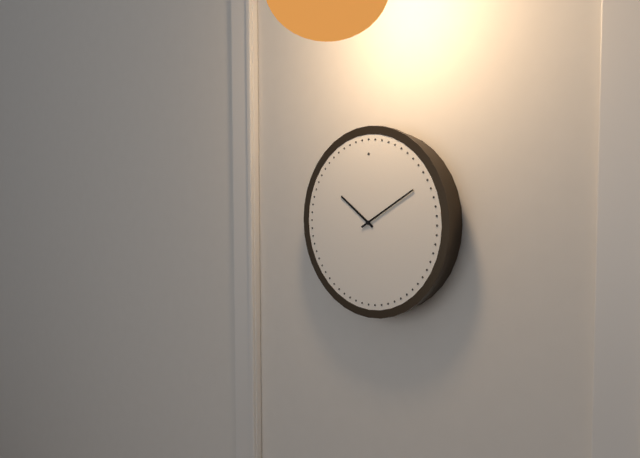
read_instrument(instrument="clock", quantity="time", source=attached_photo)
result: 10:10
